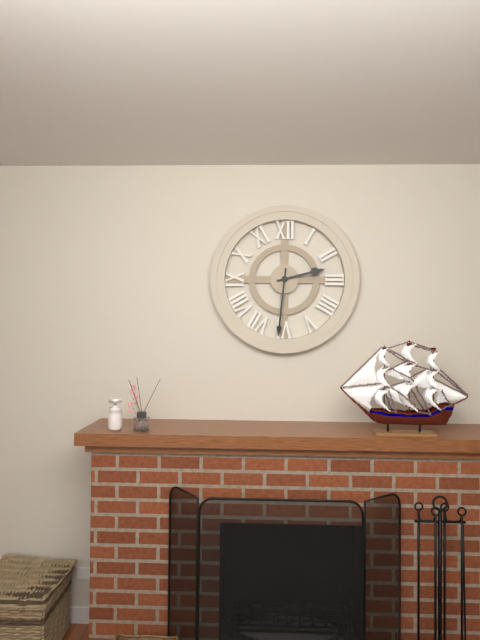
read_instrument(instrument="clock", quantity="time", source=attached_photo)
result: 2:31
